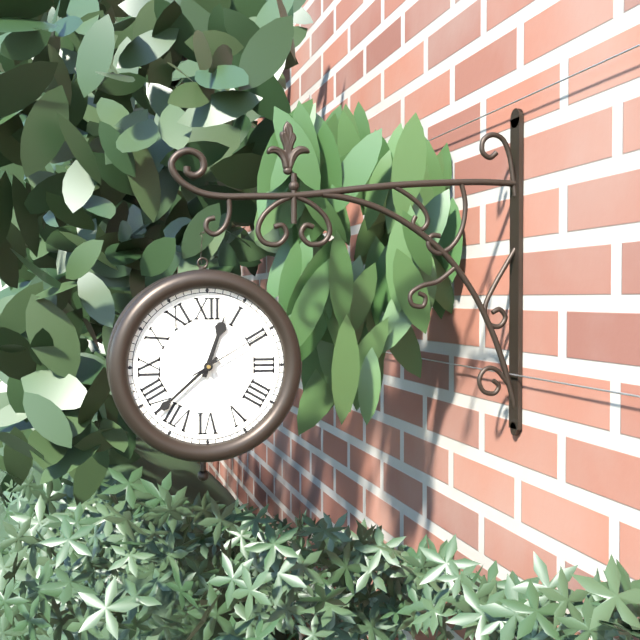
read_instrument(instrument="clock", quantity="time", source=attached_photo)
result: 12:38:10
